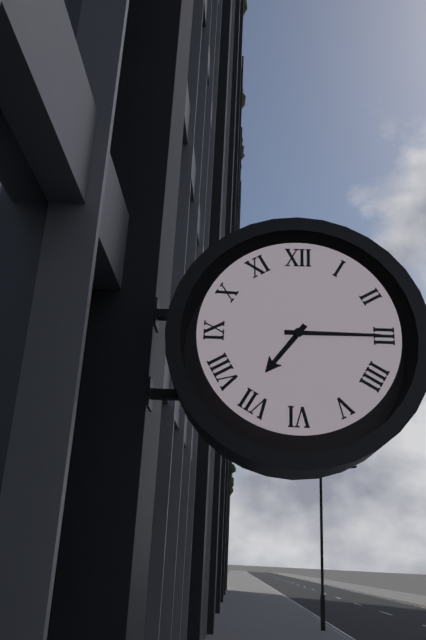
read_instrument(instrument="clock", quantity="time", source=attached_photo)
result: 7:15
